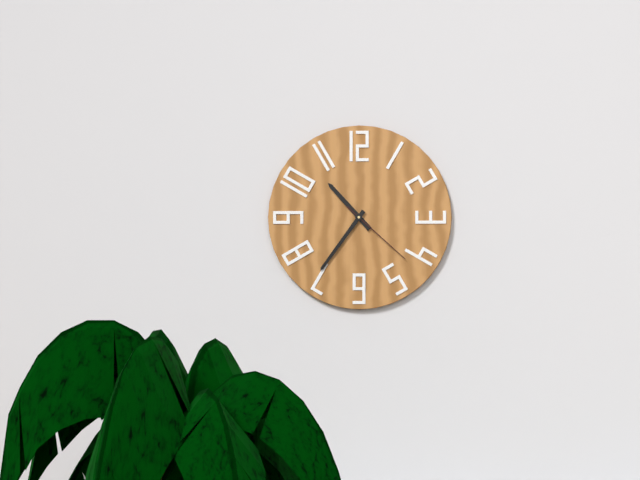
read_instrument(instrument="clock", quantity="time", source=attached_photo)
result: 10:36:22
